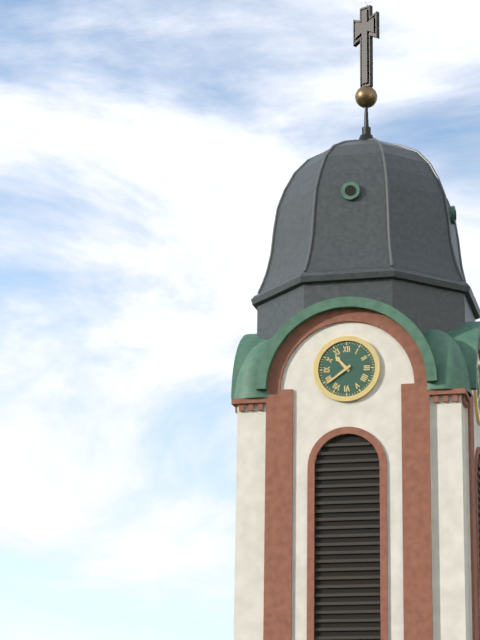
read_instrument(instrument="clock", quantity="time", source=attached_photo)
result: 10:39
